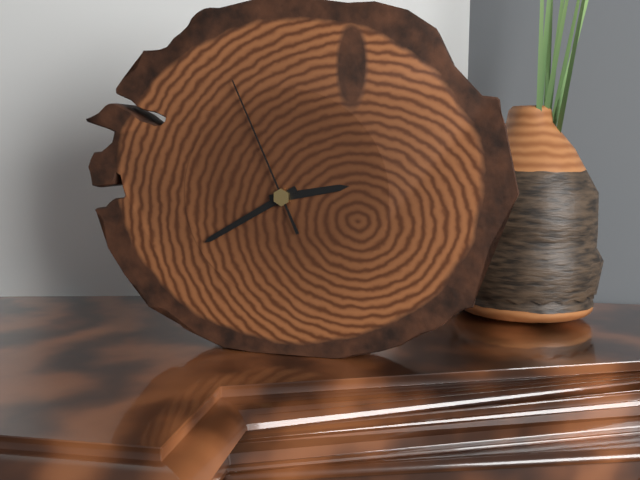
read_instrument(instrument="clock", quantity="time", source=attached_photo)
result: 2:40:56
